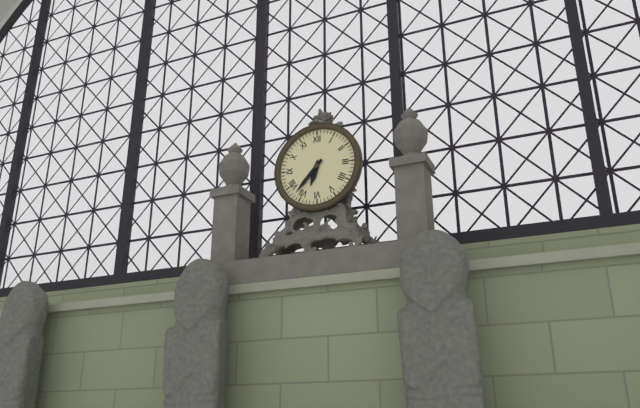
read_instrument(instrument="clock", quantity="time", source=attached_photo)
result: 6:37
